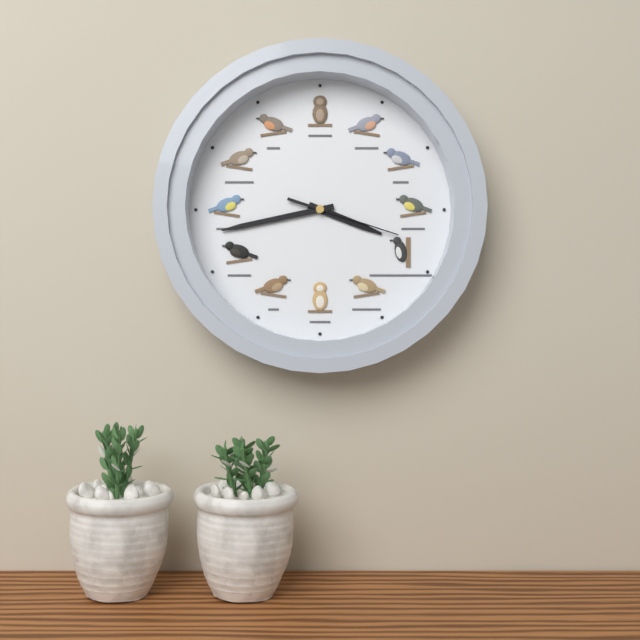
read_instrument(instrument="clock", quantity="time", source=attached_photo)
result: 3:43:18
